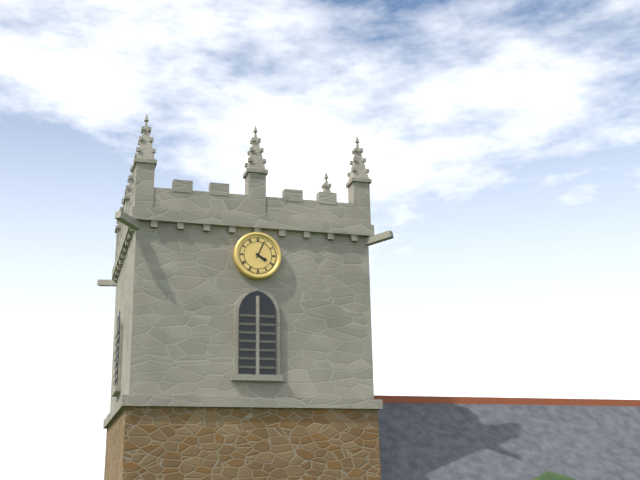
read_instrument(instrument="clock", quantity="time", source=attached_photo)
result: 4:04
